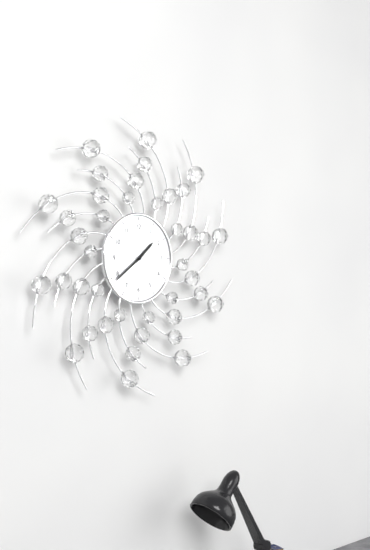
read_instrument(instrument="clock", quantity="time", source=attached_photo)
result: 1:39
